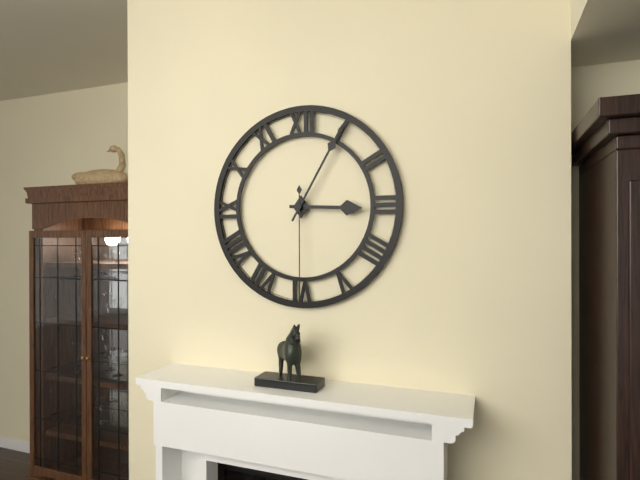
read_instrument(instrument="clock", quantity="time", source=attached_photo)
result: 3:05:30
